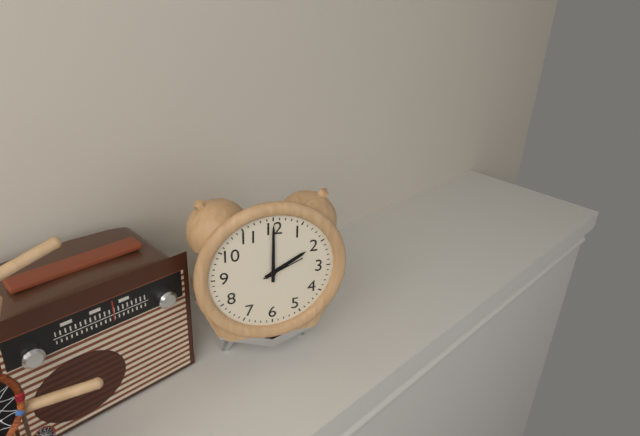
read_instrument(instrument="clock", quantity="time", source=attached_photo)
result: 2:00
